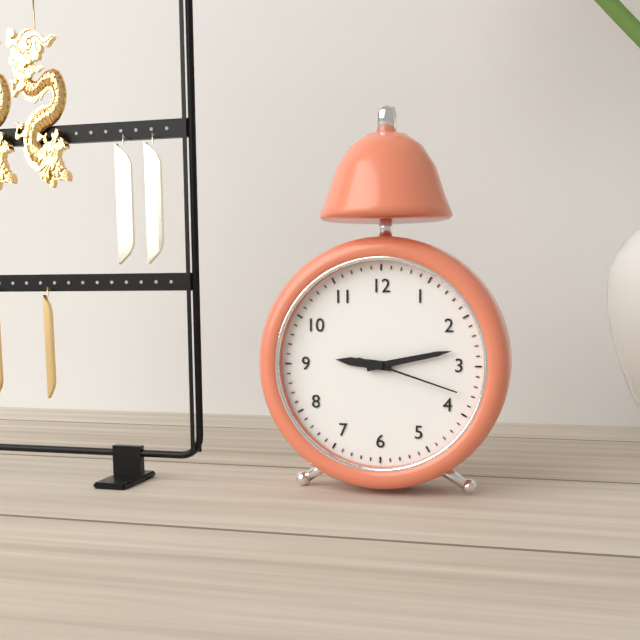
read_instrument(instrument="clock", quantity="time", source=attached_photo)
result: 9:13:18
